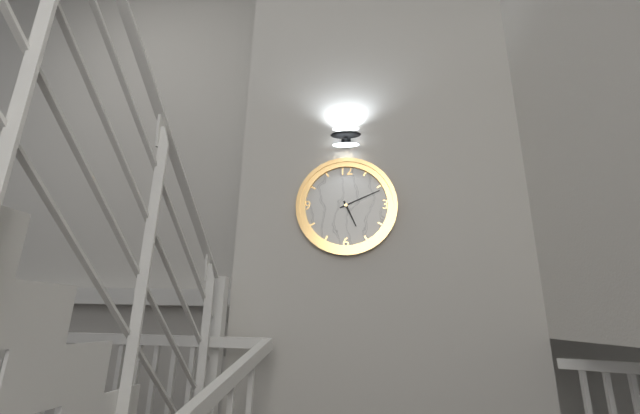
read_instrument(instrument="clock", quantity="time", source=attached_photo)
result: 5:11
